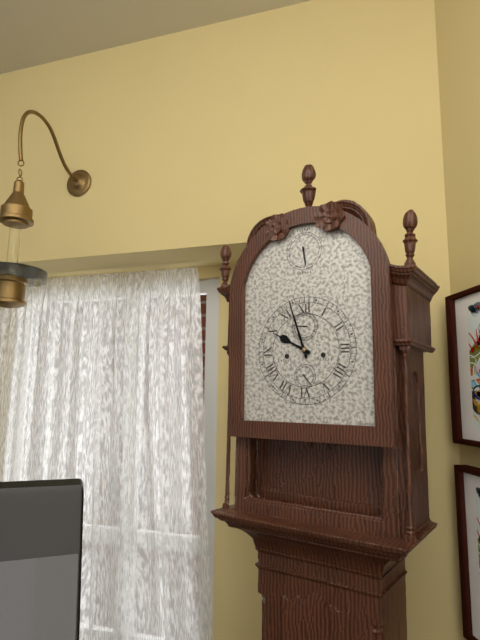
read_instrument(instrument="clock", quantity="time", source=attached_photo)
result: 9:57
